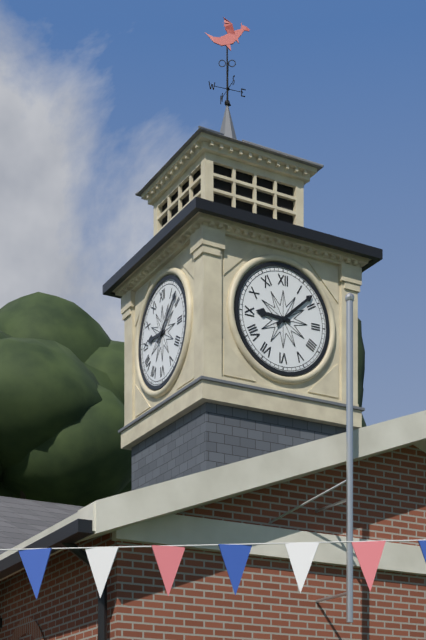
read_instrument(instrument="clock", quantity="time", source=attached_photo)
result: 9:08
